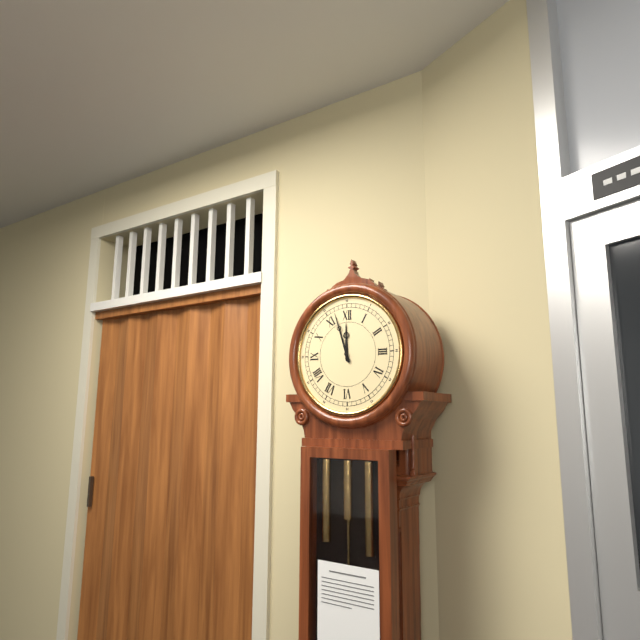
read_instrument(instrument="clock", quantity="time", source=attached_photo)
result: 11:57
